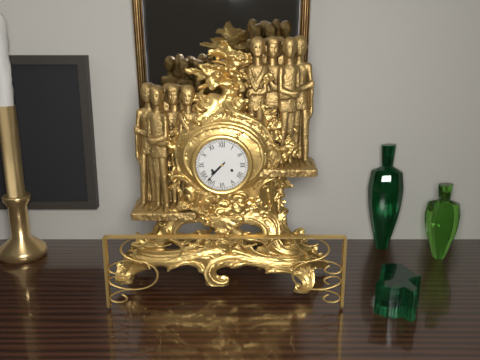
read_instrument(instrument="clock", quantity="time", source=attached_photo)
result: 7:37
